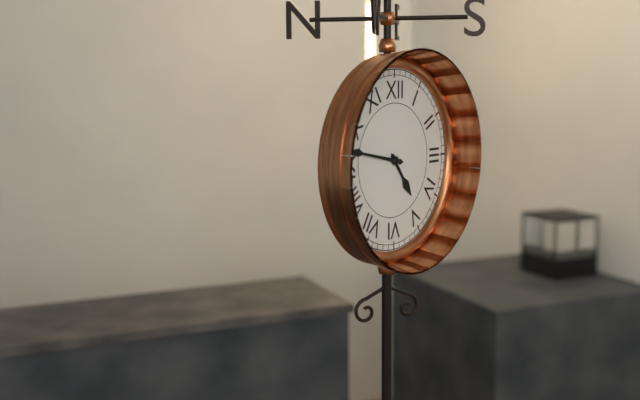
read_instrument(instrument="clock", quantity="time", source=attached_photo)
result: 4:47
